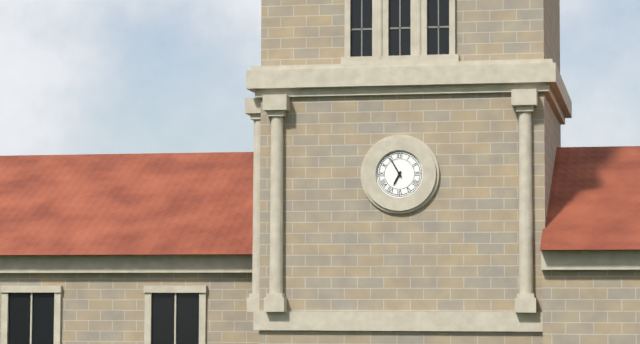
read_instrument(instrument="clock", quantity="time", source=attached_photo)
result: 6:55
